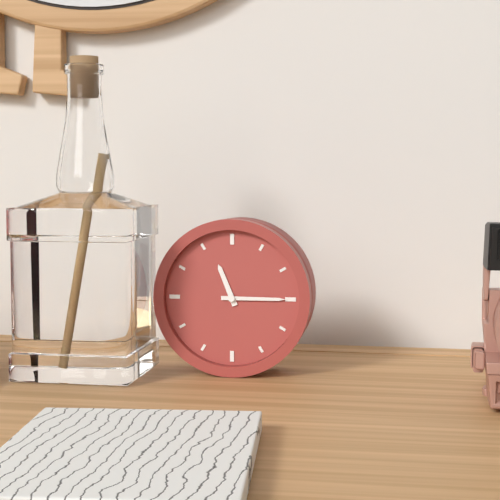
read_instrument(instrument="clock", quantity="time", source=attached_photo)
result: 11:15
